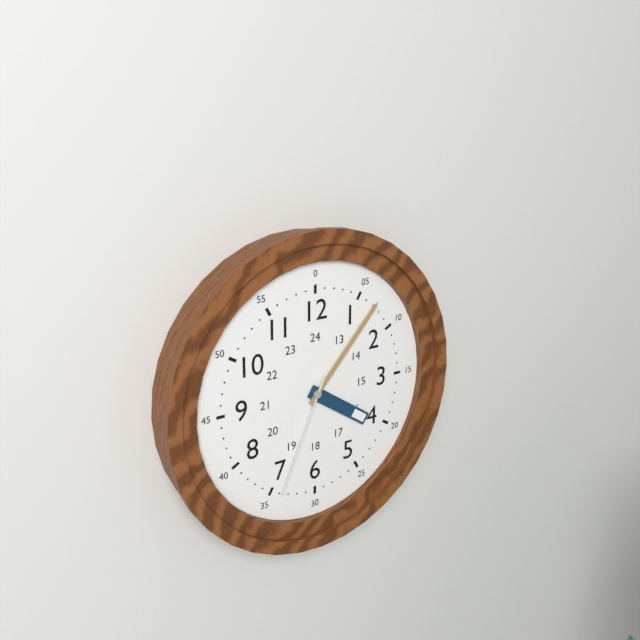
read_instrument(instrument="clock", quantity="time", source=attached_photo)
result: 4:07:34
